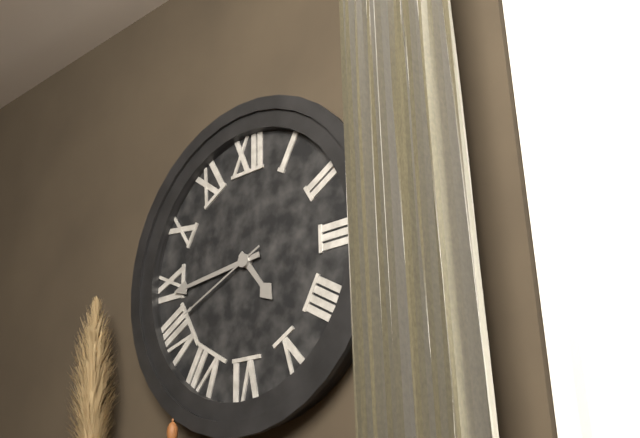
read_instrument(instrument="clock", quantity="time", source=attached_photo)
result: 4:44:41
